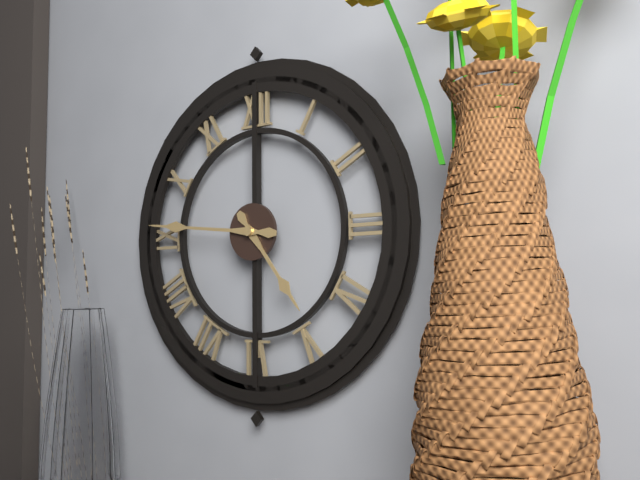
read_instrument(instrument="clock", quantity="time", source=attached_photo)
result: 4:46
